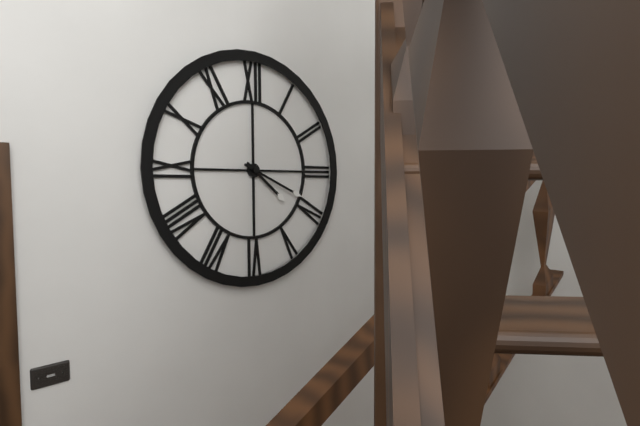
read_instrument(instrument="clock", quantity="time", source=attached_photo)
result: 4:19
